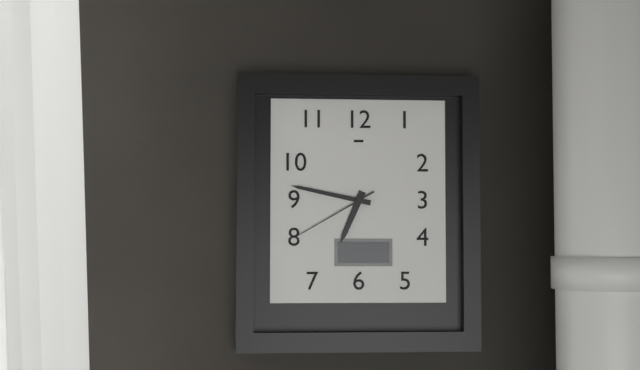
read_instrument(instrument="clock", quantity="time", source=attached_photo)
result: 6:47:40
